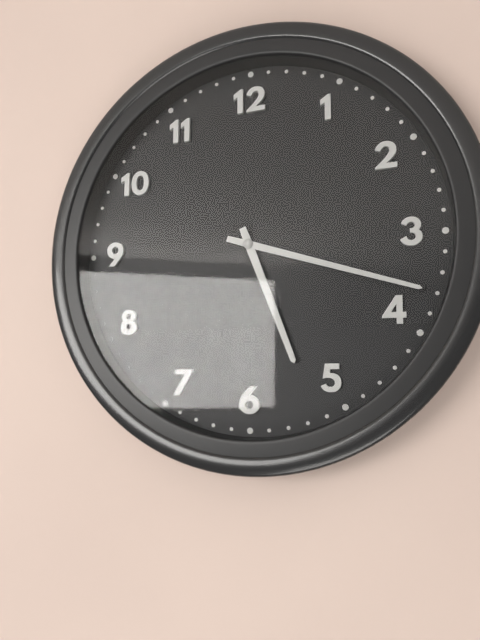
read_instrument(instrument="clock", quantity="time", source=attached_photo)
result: 5:18
